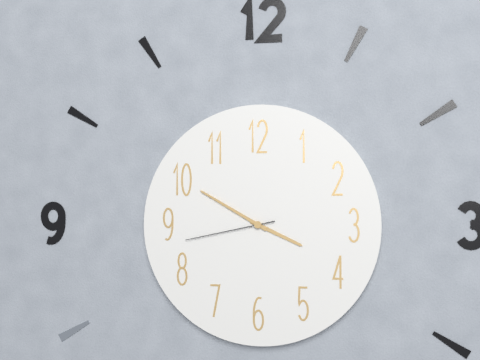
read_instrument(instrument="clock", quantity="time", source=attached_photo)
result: 3:50:43
